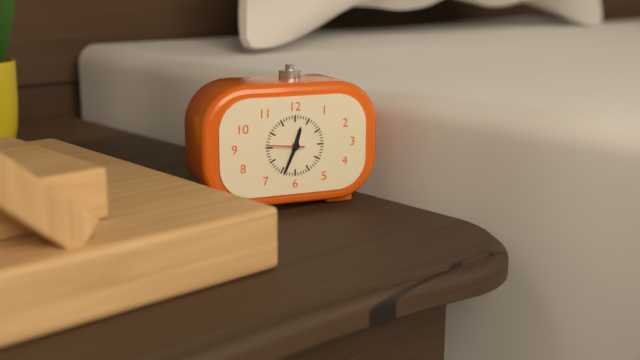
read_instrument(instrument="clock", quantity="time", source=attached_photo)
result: 12:34
